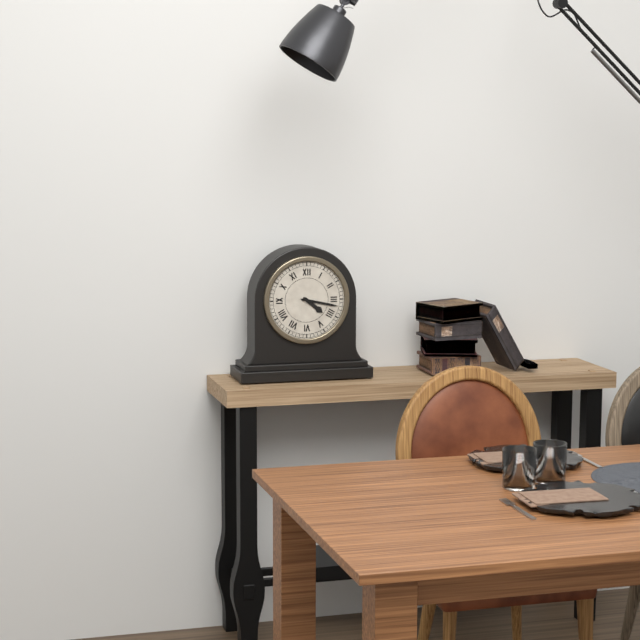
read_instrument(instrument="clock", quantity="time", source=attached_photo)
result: 4:17
